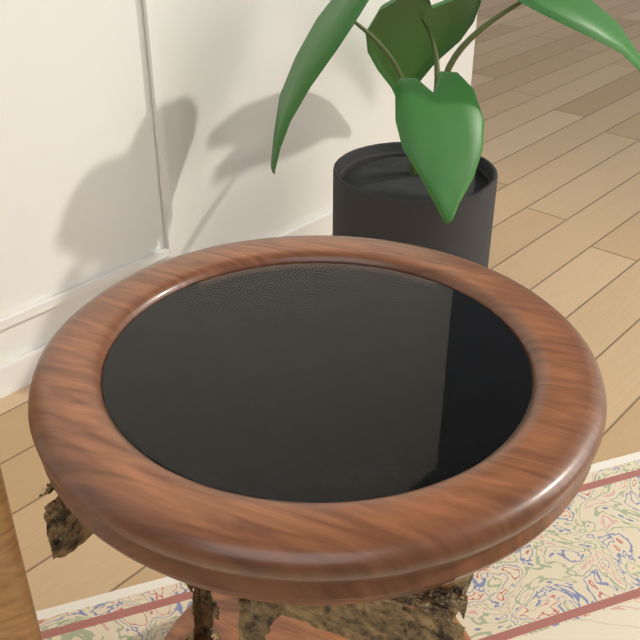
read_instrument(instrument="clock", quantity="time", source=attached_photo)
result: 10:06
